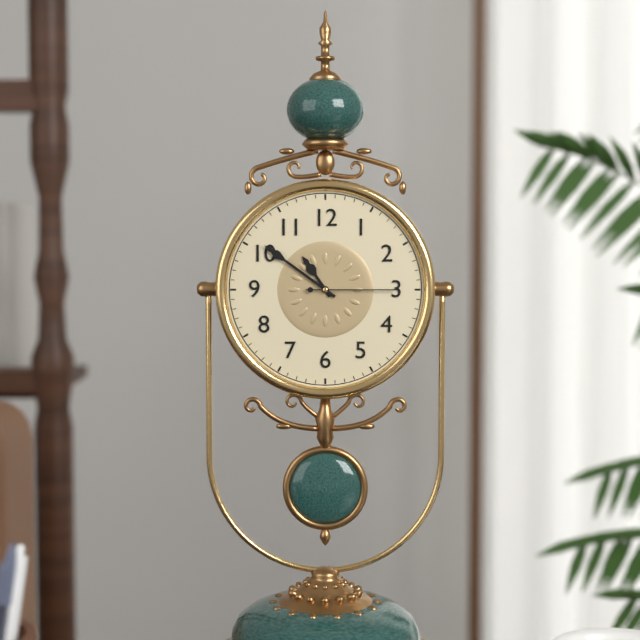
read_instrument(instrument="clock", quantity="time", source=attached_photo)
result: 10:51:15
